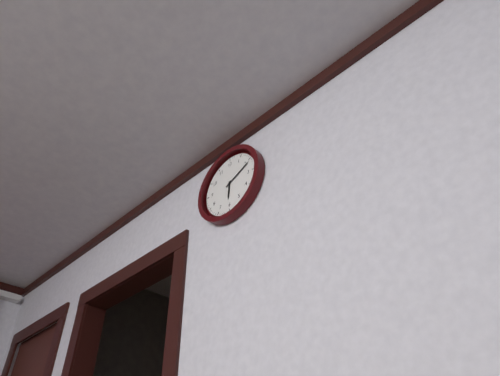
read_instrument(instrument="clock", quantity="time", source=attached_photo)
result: 6:11
